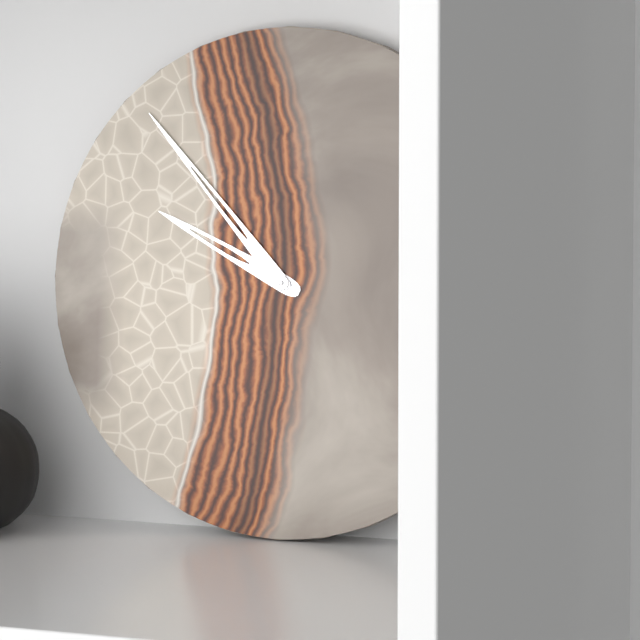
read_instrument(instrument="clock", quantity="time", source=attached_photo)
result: 9:53
